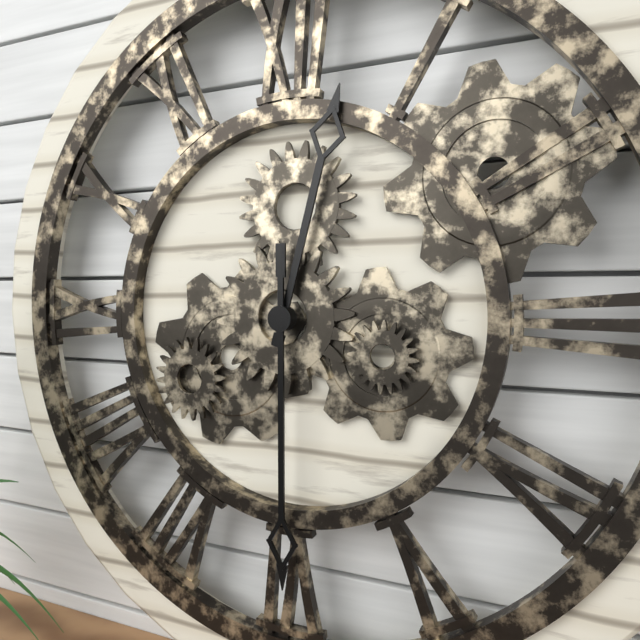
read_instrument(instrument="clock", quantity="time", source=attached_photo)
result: 12:30
